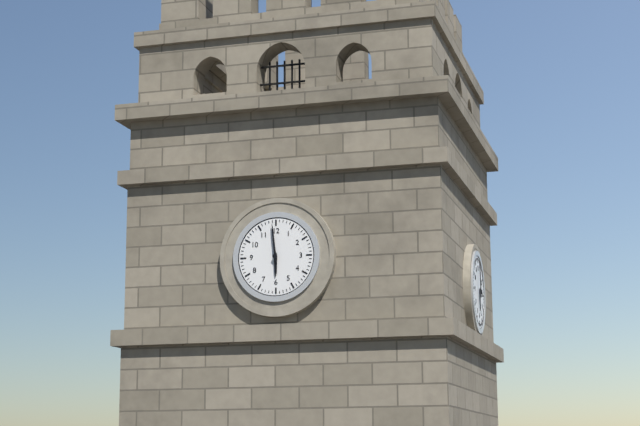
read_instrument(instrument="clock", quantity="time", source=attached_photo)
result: 5:59
